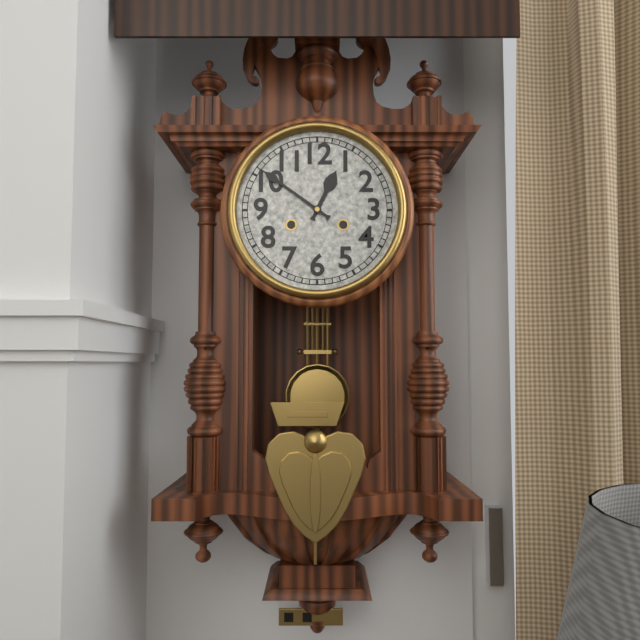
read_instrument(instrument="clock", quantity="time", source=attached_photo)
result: 12:51
